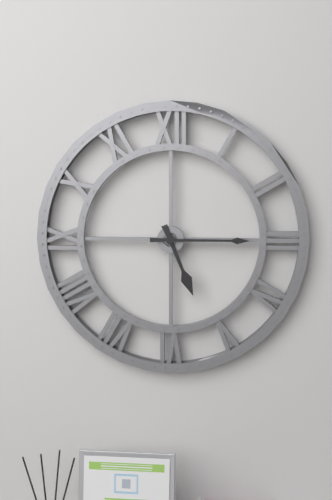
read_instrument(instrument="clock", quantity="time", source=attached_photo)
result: 5:15
